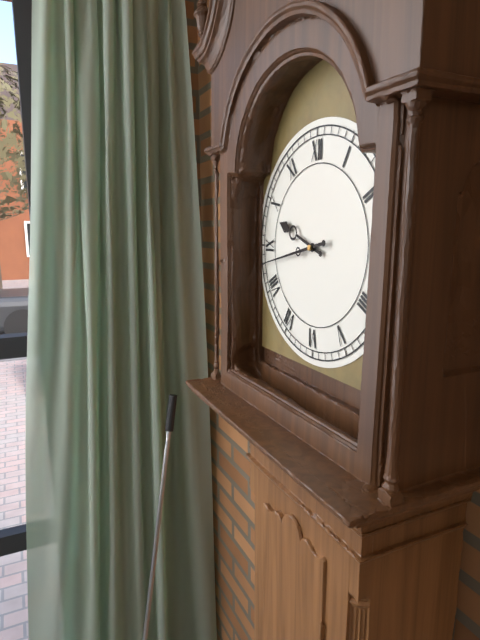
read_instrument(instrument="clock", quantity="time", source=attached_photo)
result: 9:43
